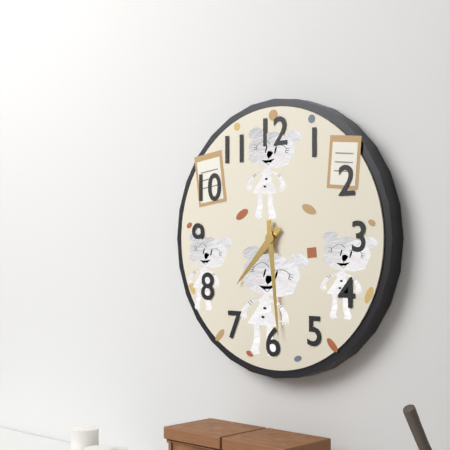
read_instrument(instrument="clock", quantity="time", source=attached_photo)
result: 7:29
